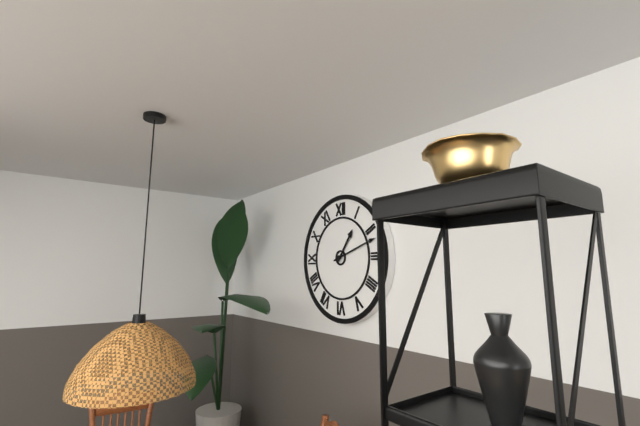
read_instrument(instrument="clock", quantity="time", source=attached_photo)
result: 1:12
